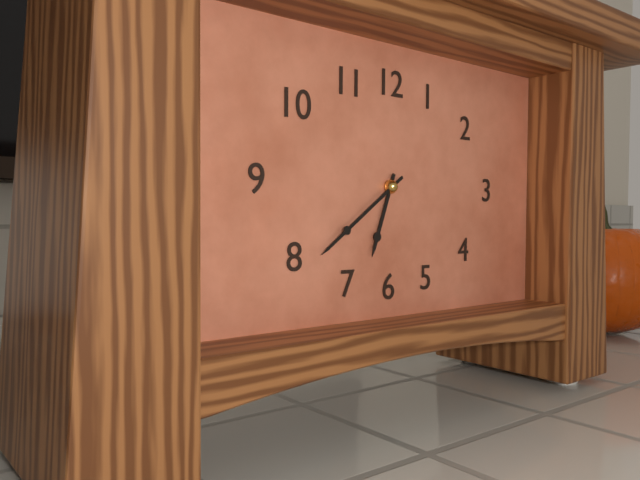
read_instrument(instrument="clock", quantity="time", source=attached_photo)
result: 6:39
